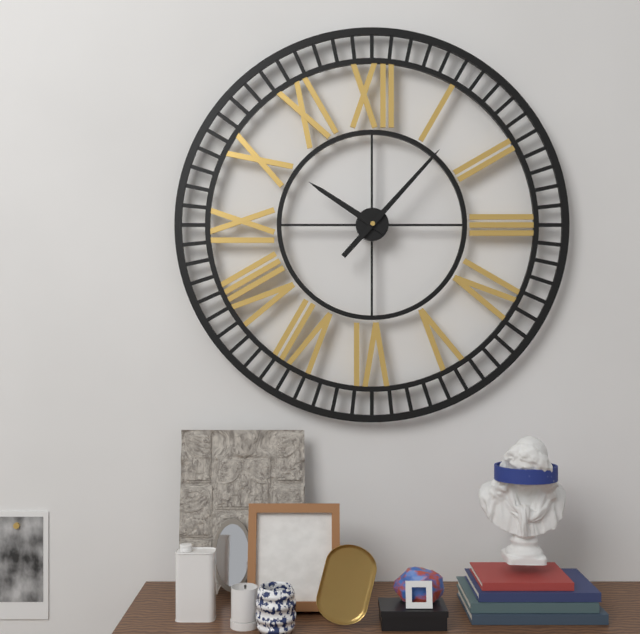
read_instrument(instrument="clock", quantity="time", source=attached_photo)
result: 10:07
